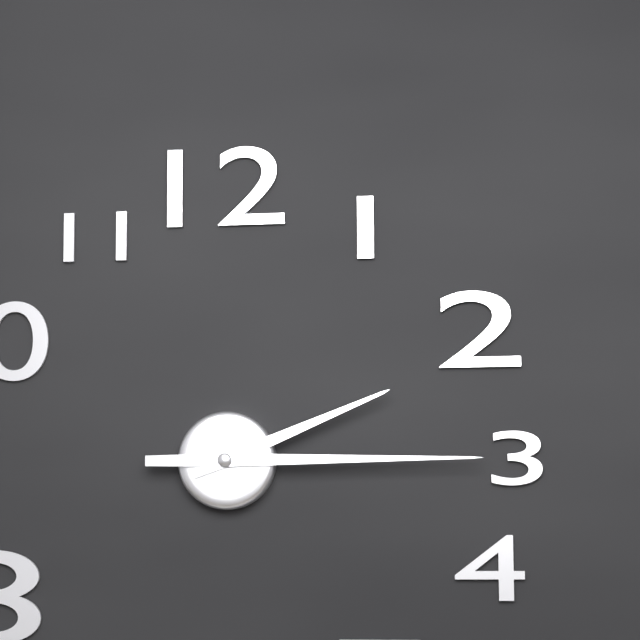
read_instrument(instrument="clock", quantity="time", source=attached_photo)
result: 2:15
